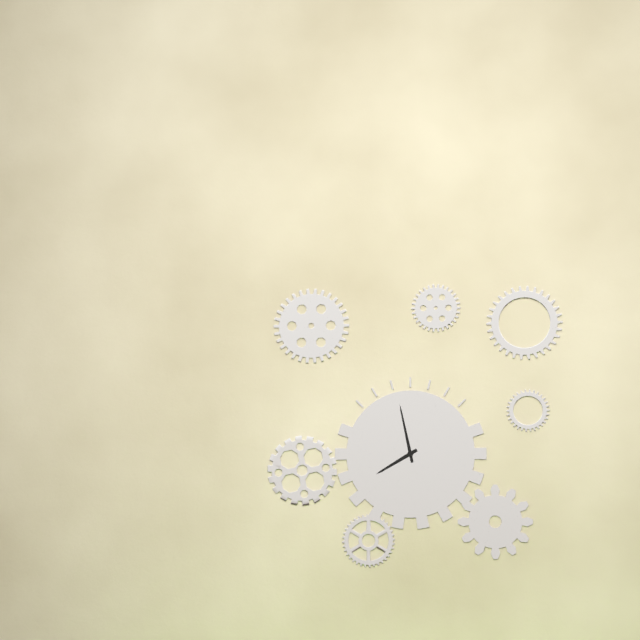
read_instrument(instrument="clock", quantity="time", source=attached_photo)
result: 7:58
